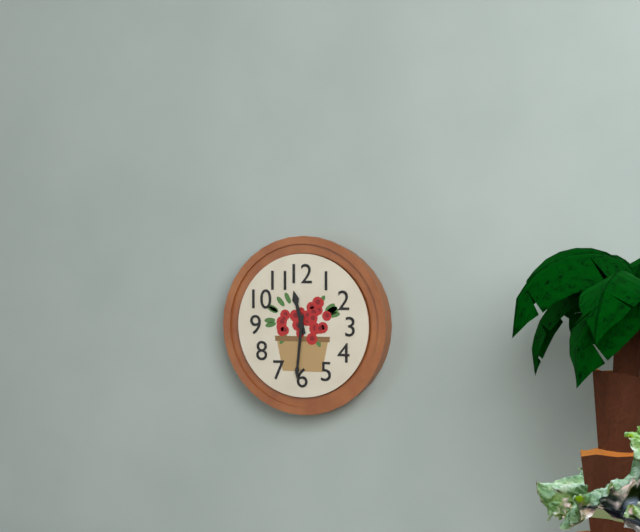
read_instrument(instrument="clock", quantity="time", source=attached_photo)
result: 11:31
